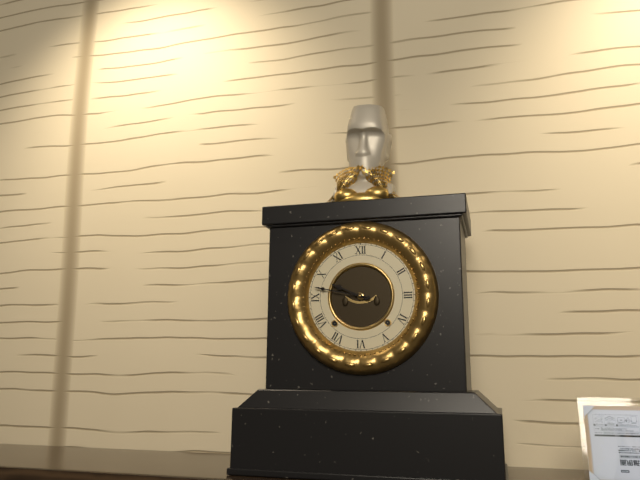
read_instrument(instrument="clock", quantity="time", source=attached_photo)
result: 9:47
